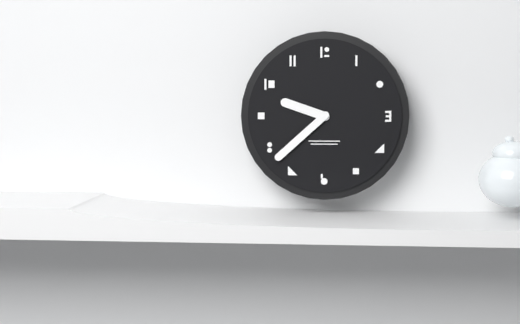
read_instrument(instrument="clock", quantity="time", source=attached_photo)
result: 9:38
